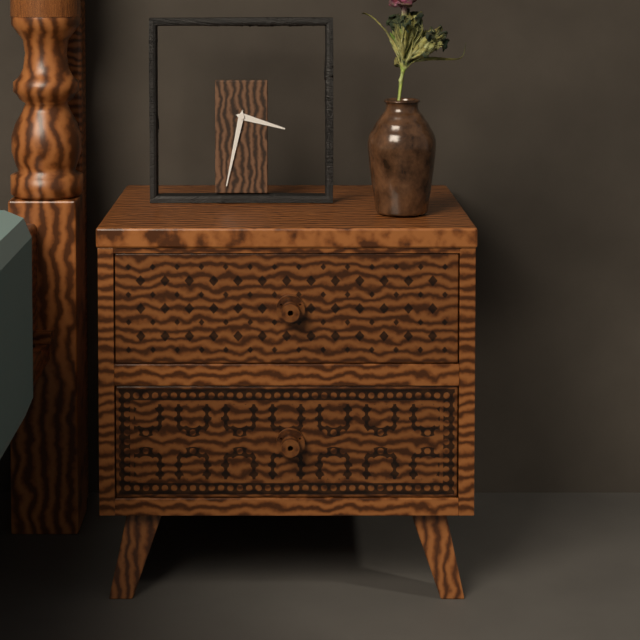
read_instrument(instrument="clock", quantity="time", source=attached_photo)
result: 3:32
